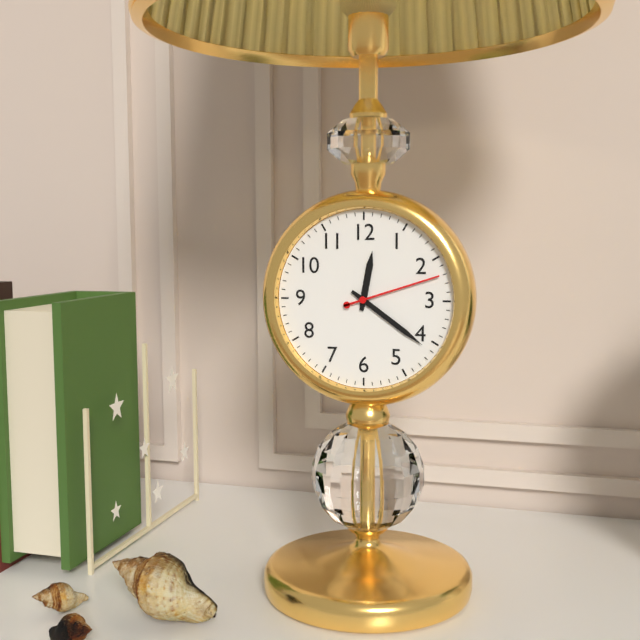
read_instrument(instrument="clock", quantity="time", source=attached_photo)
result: 12:21:12
